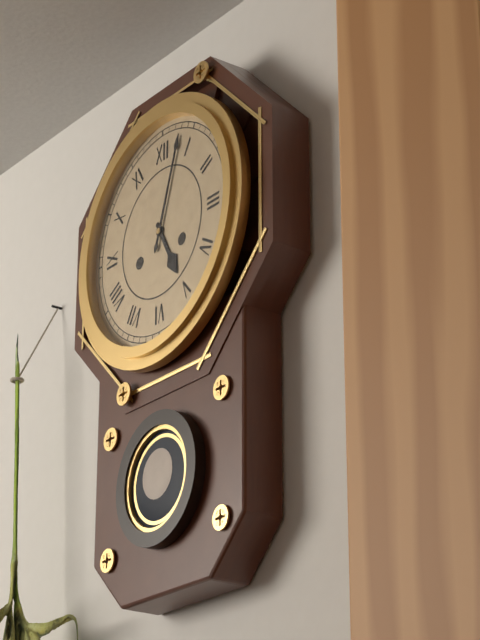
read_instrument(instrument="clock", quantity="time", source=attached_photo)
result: 5:03
